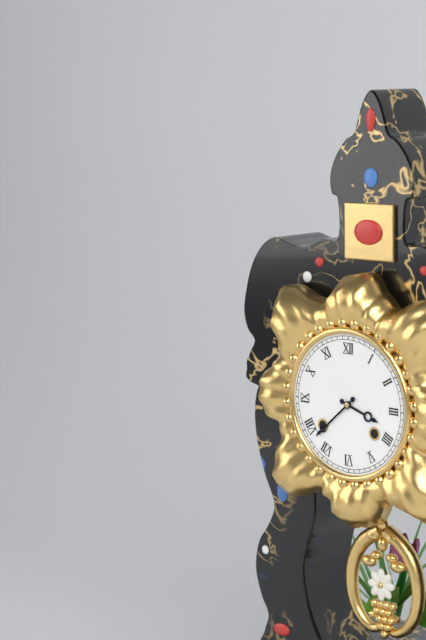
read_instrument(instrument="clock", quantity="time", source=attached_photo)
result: 3:38
